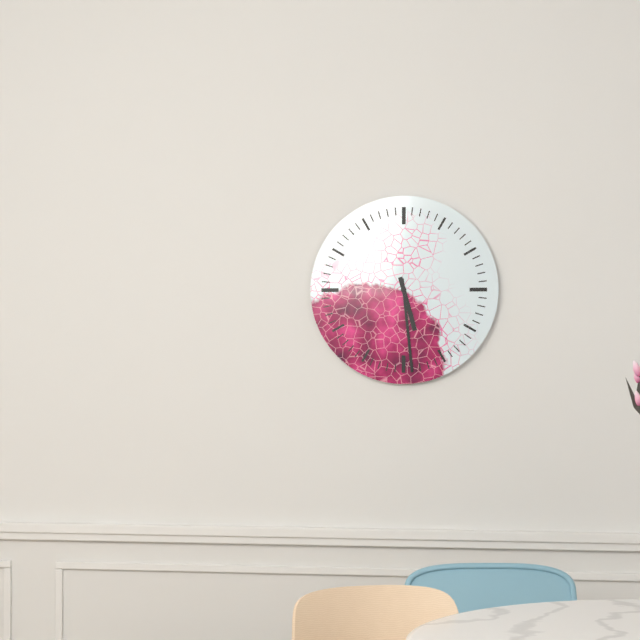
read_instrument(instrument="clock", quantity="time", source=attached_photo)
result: 5:29
